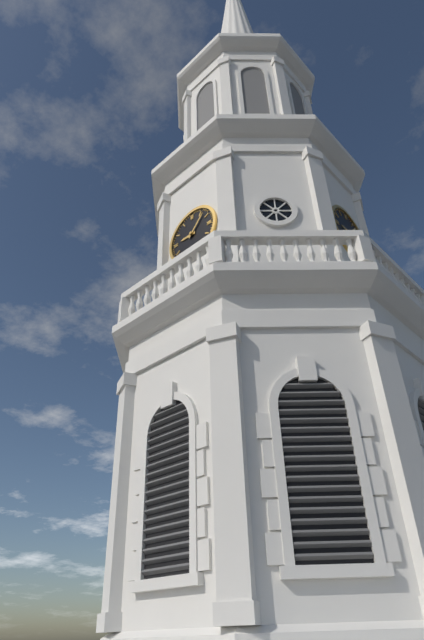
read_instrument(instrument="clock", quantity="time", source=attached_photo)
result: 9:07
